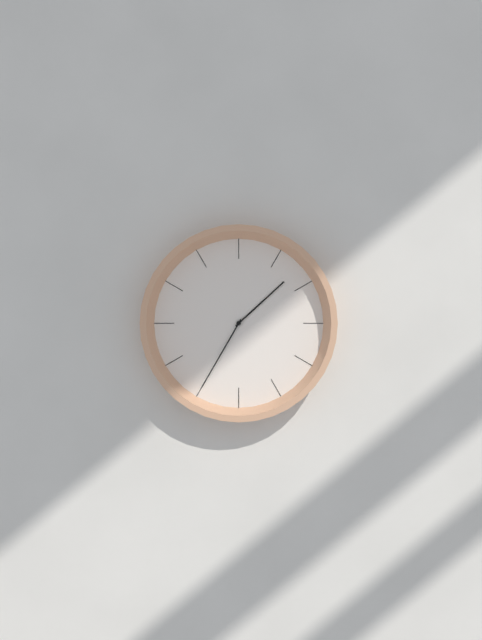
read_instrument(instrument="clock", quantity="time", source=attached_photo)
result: 1:35
